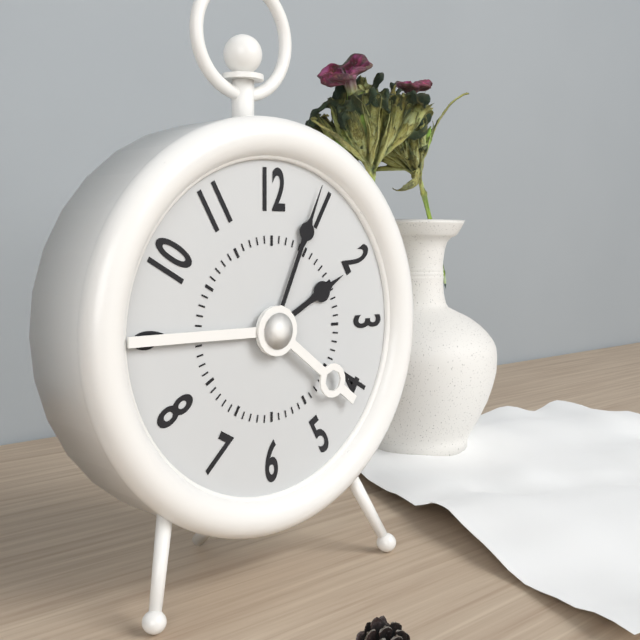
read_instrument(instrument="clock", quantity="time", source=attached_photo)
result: 2:04
